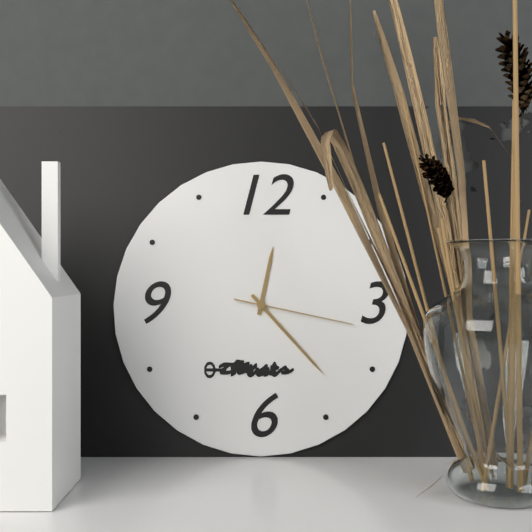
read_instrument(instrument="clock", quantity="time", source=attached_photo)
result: 12:23:17
